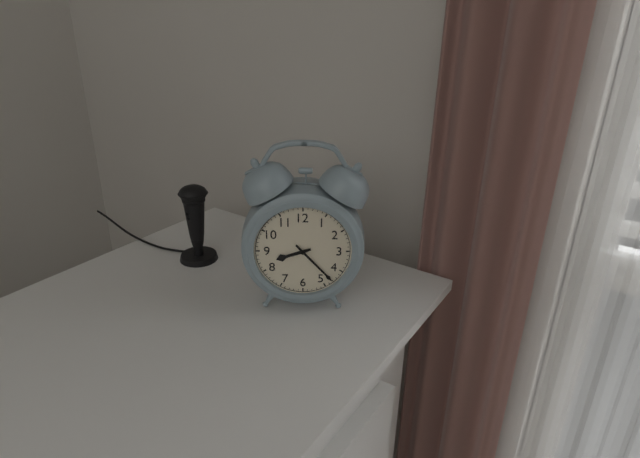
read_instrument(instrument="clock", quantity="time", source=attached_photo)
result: 8:23
